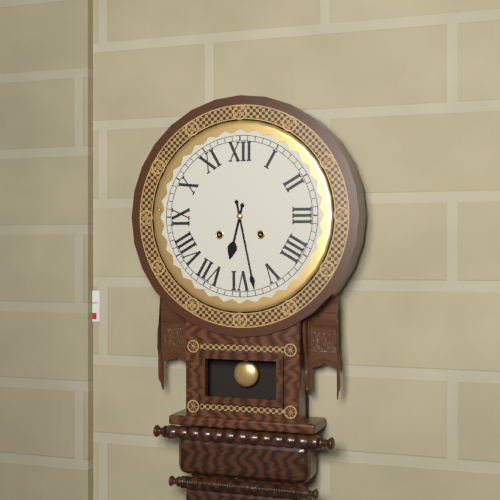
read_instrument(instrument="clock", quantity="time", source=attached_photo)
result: 6:28
